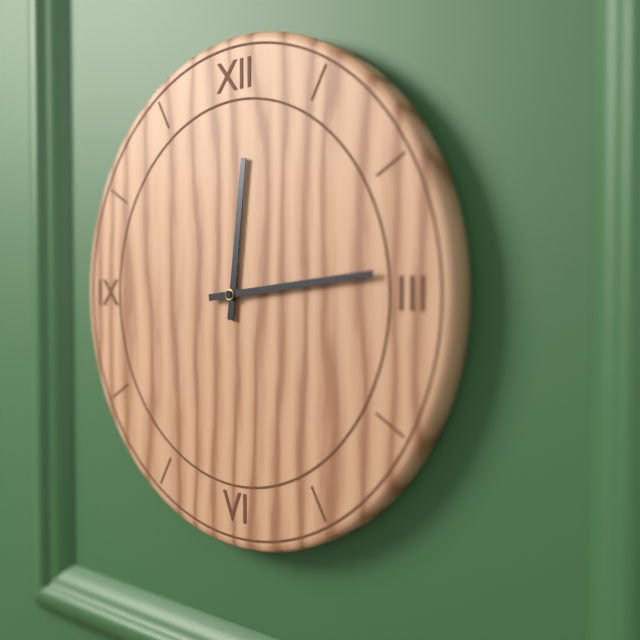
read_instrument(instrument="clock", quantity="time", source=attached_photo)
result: 12:14
